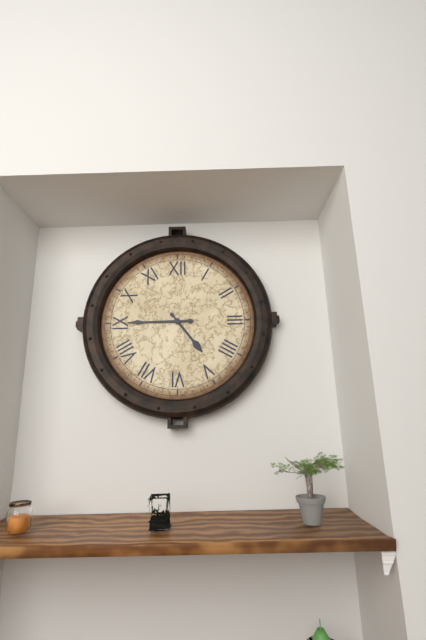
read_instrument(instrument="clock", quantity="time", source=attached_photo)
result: 4:45
